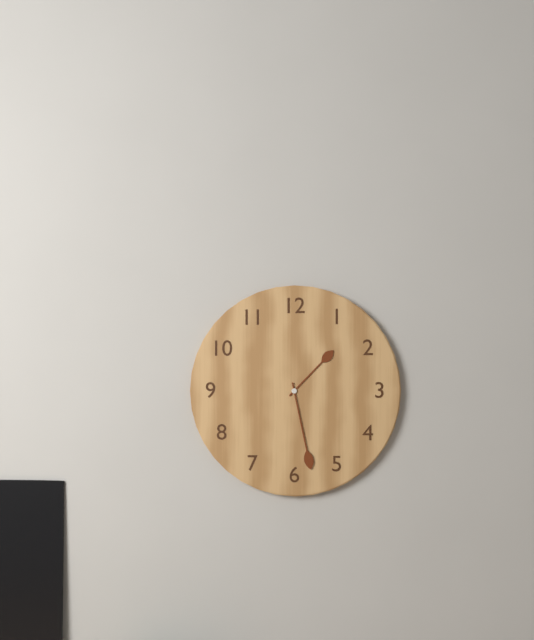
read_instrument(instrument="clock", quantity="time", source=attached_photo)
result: 1:28
